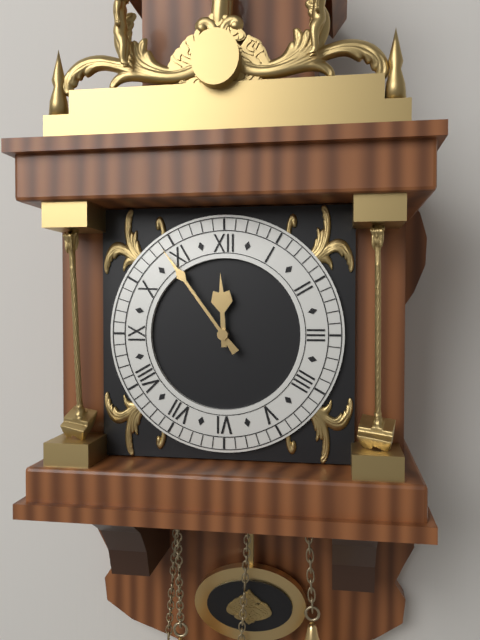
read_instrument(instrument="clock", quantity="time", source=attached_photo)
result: 11:54
